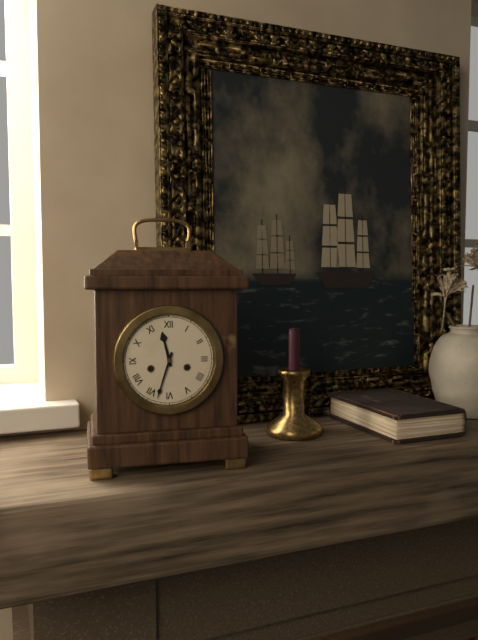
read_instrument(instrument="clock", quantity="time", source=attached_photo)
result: 11:33
